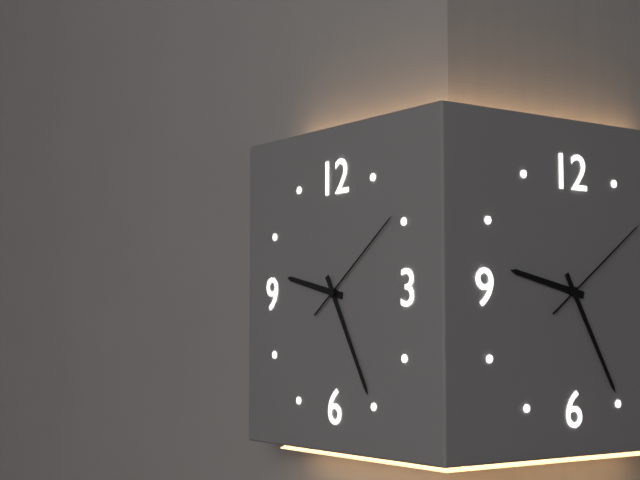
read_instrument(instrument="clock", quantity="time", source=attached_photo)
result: 9:25:09
